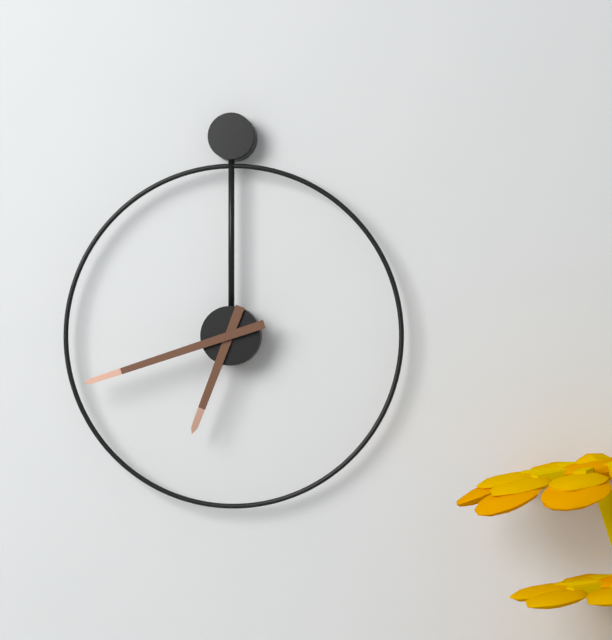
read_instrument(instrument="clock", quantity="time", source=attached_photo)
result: 6:42
